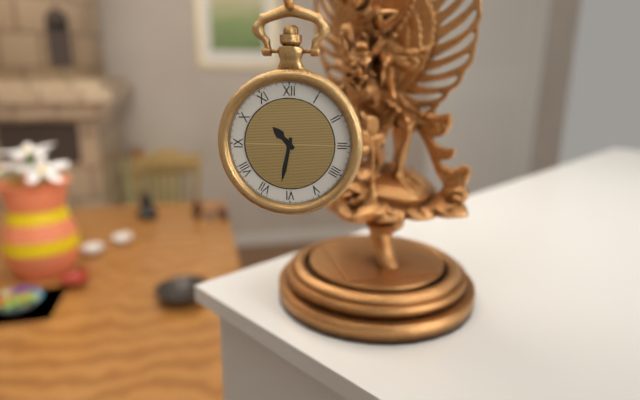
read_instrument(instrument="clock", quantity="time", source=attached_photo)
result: 10:32
